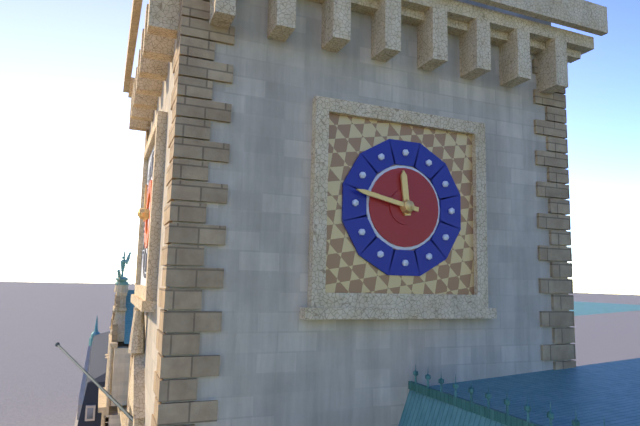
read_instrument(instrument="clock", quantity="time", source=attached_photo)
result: 11:47
